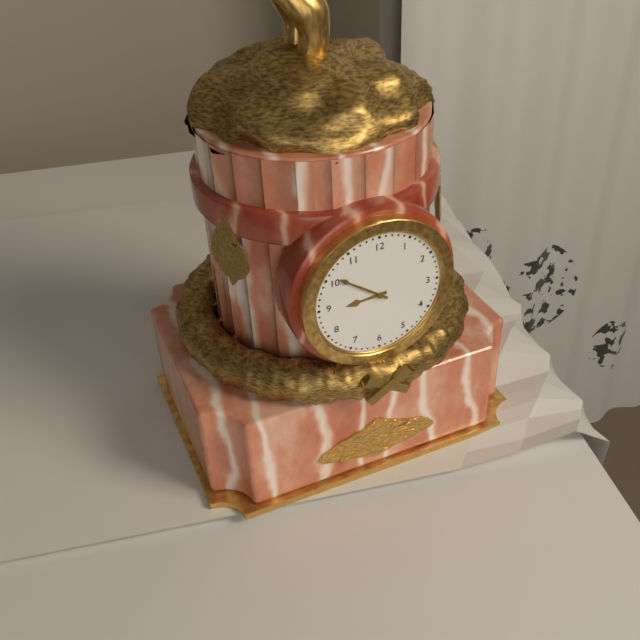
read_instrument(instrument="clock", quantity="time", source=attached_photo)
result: 8:51
